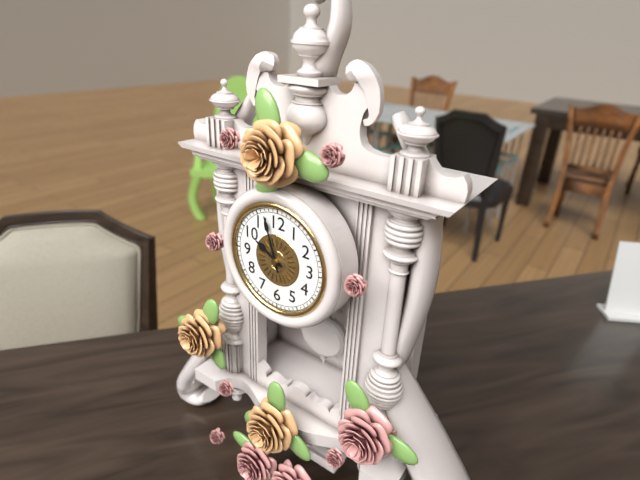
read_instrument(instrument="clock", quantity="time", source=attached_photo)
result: 9:57
